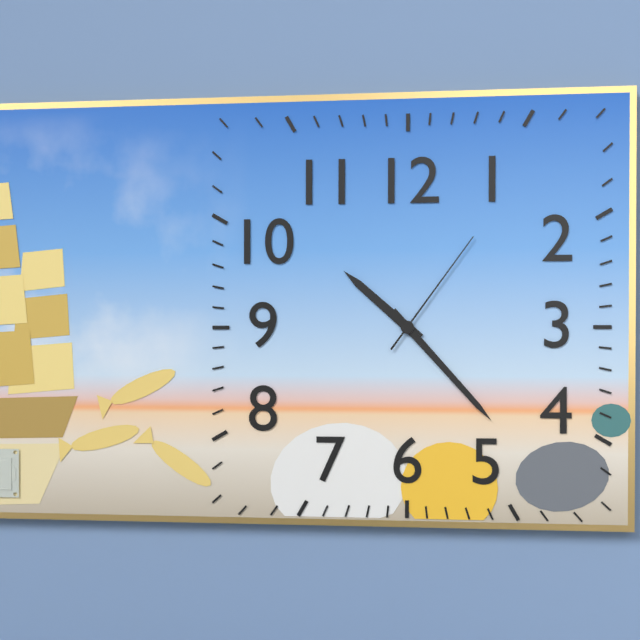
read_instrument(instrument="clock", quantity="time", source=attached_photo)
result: 10:23:06
